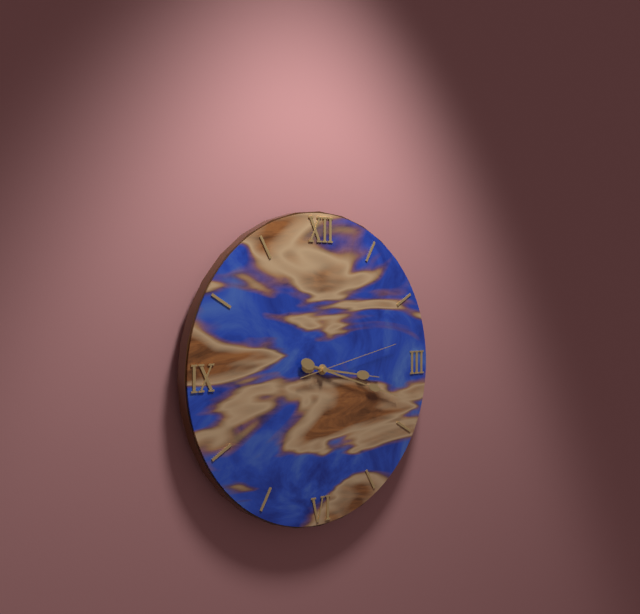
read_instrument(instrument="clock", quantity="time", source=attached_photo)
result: 3:18:13
